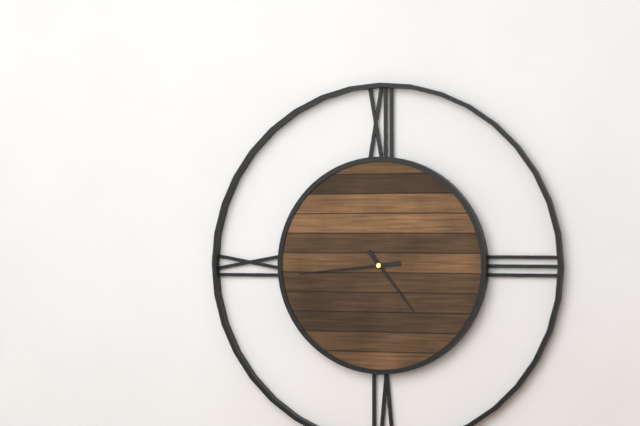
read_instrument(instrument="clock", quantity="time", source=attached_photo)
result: 4:44
